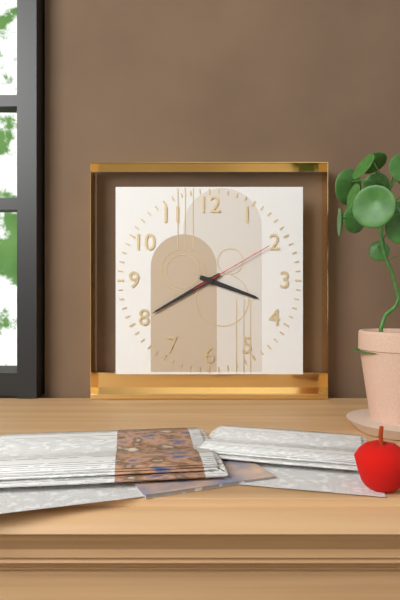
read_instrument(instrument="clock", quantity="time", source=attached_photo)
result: 3:40:10
